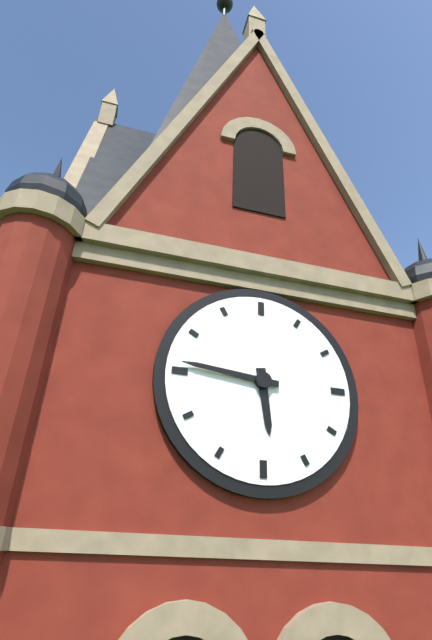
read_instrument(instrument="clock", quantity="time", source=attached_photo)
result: 5:46
